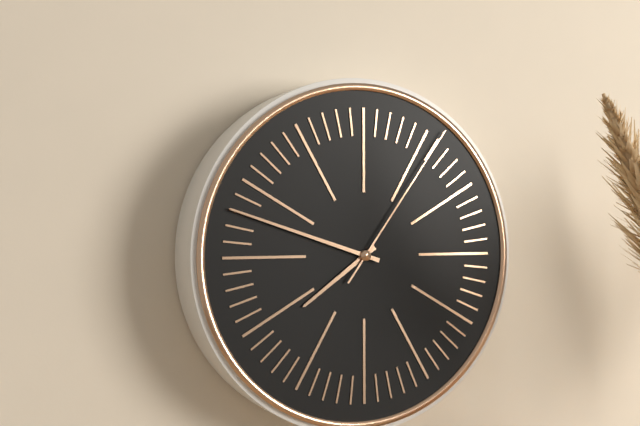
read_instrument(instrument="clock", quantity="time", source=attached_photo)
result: 7:48:06
